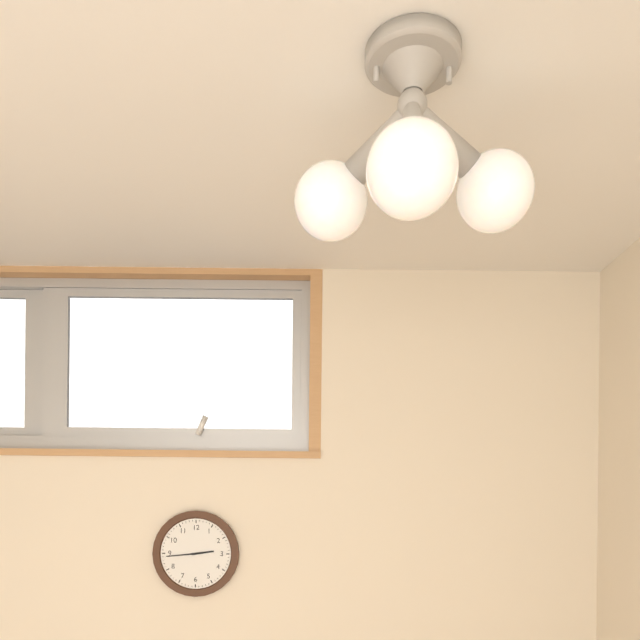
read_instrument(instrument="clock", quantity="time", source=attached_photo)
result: 2:44
